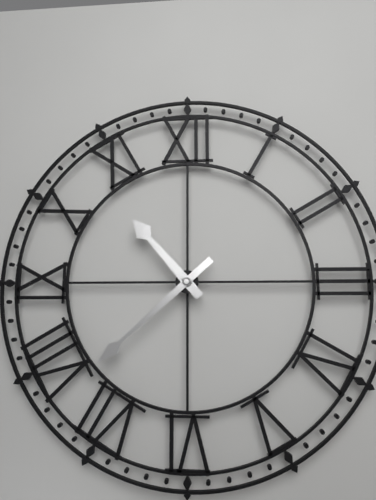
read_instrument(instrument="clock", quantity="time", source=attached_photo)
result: 10:38
